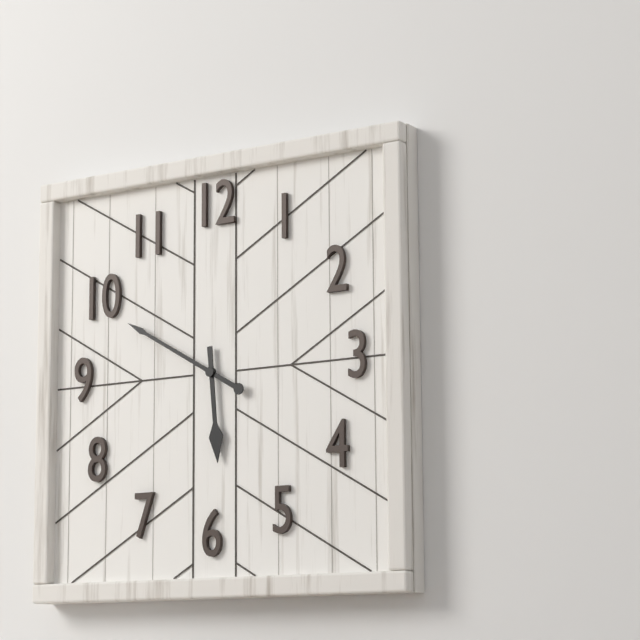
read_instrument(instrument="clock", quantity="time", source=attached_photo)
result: 5:50
